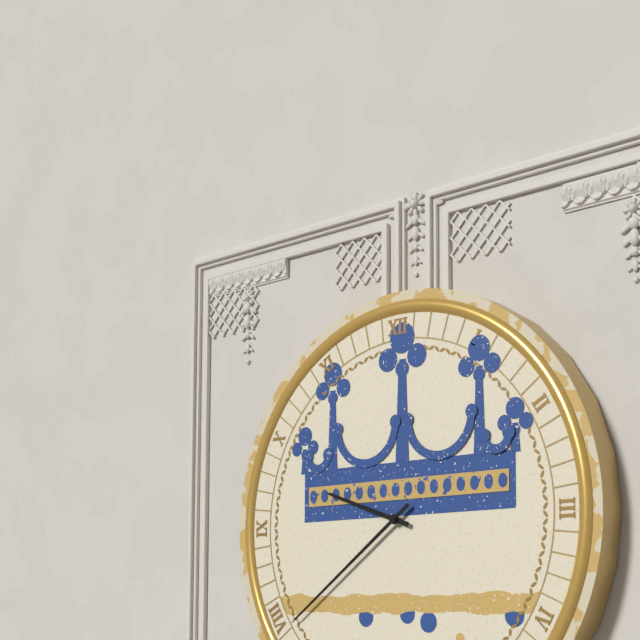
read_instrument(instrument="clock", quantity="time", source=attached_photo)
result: 9:39
